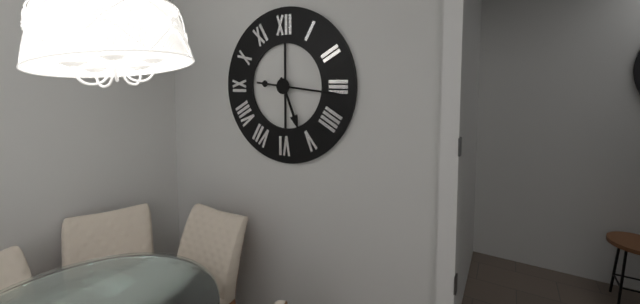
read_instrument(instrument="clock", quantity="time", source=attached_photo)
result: 5:16
